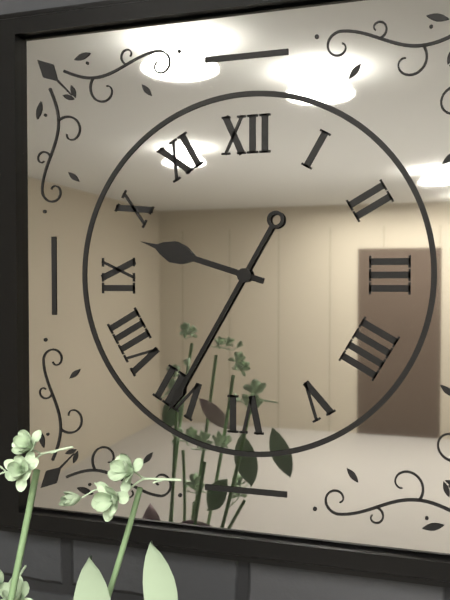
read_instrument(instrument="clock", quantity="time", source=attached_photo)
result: 9:35
